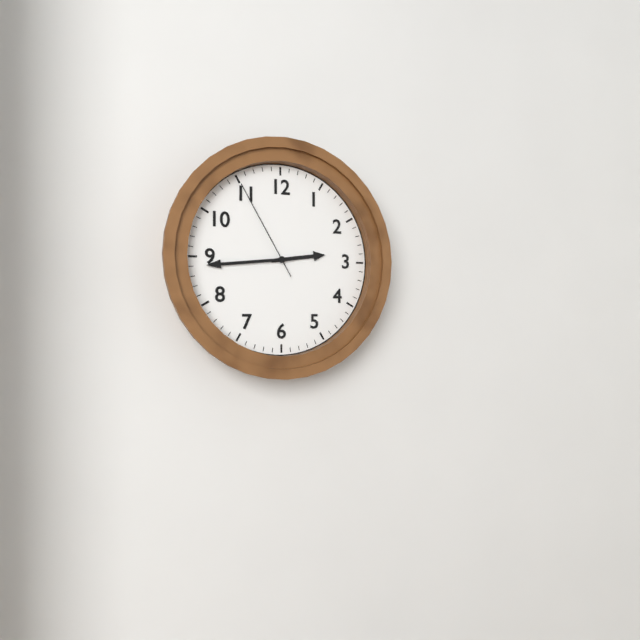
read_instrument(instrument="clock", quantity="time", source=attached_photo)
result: 2:44:55
